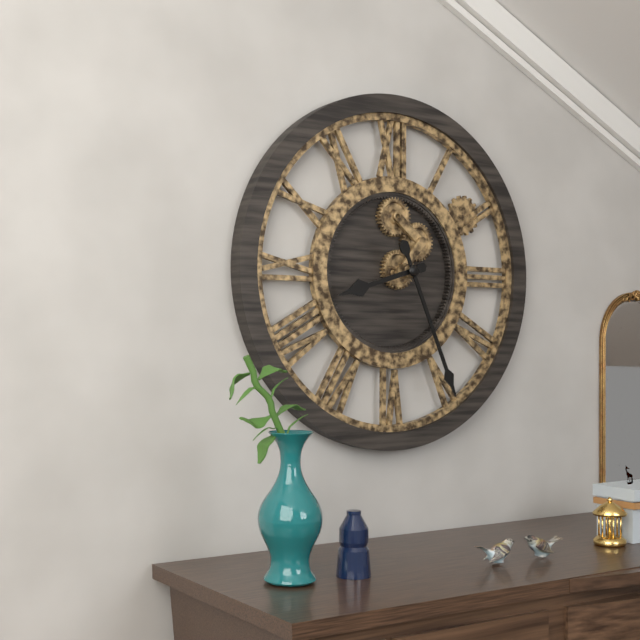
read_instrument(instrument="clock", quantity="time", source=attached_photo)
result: 8:26
